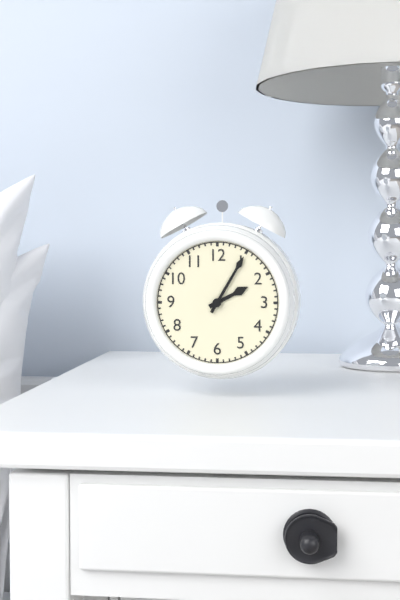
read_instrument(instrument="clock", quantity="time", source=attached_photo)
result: 2:05
